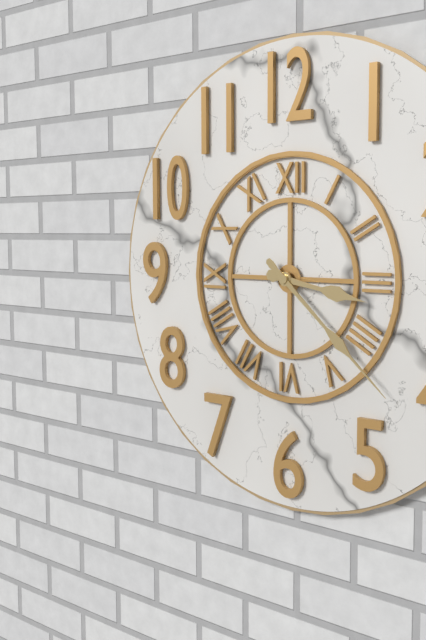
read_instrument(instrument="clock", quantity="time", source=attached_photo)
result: 3:22
